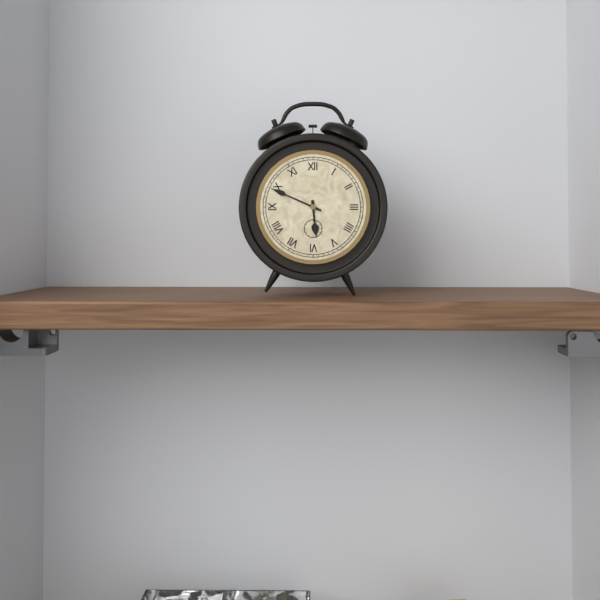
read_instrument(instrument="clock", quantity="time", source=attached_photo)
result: 5:49
